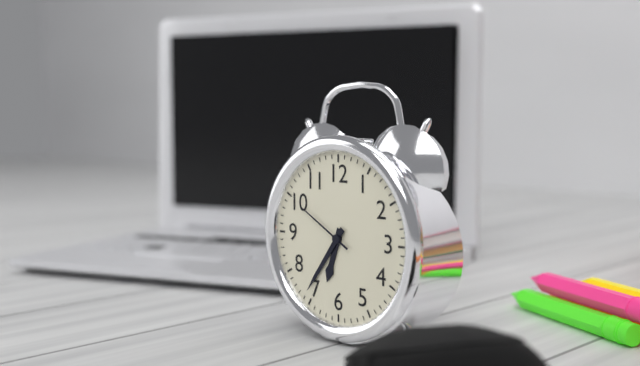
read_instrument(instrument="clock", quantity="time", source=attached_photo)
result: 6:36:50
